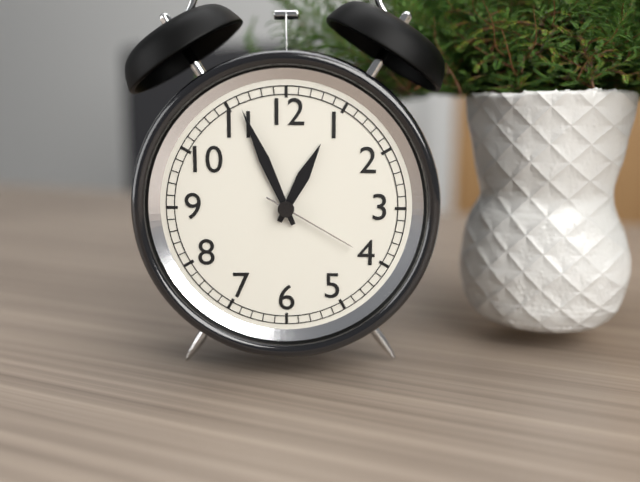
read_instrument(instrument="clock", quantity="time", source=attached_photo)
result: 12:56:20
